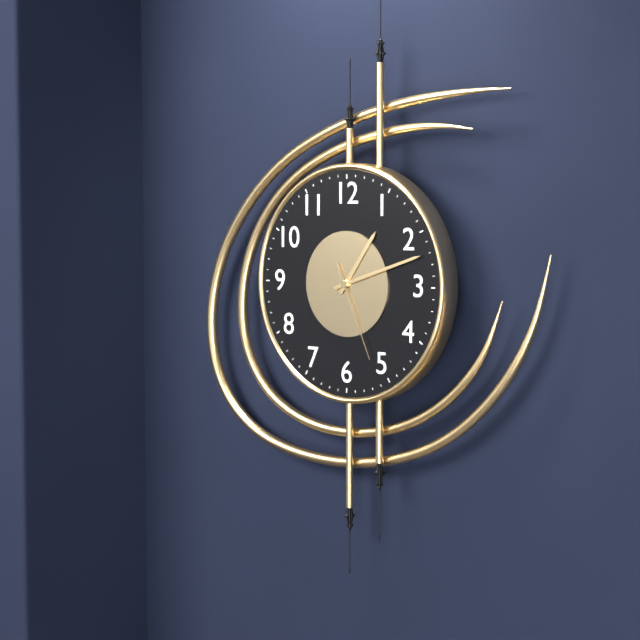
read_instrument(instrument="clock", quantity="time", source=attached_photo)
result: 1:12:26
